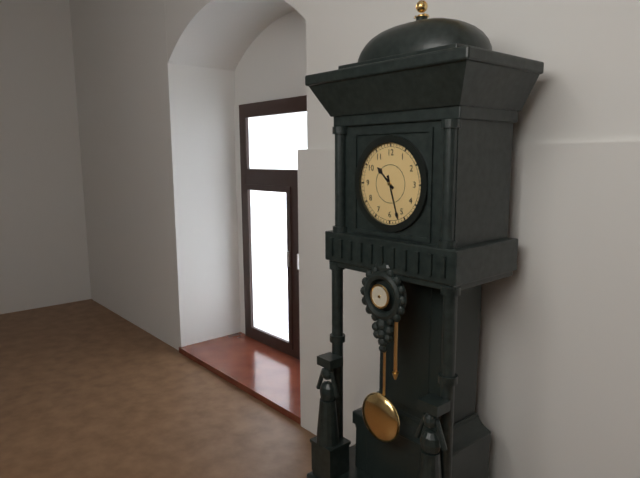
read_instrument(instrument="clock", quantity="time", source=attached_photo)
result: 10:27
